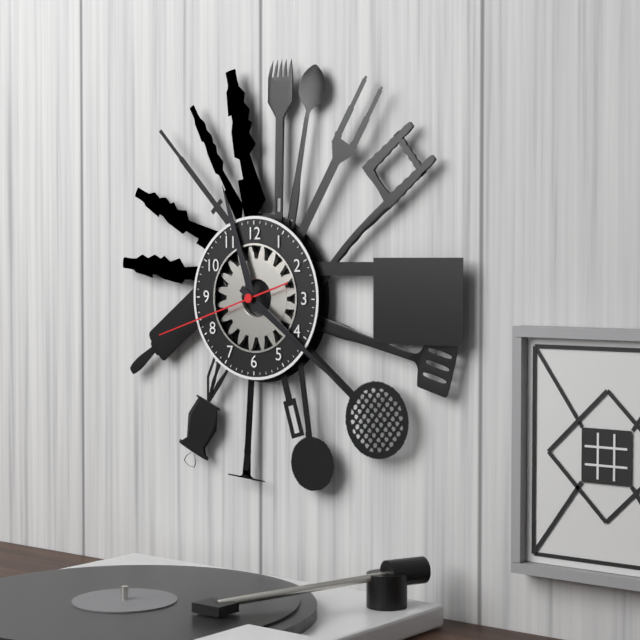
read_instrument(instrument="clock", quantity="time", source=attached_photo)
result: 11:21:42
